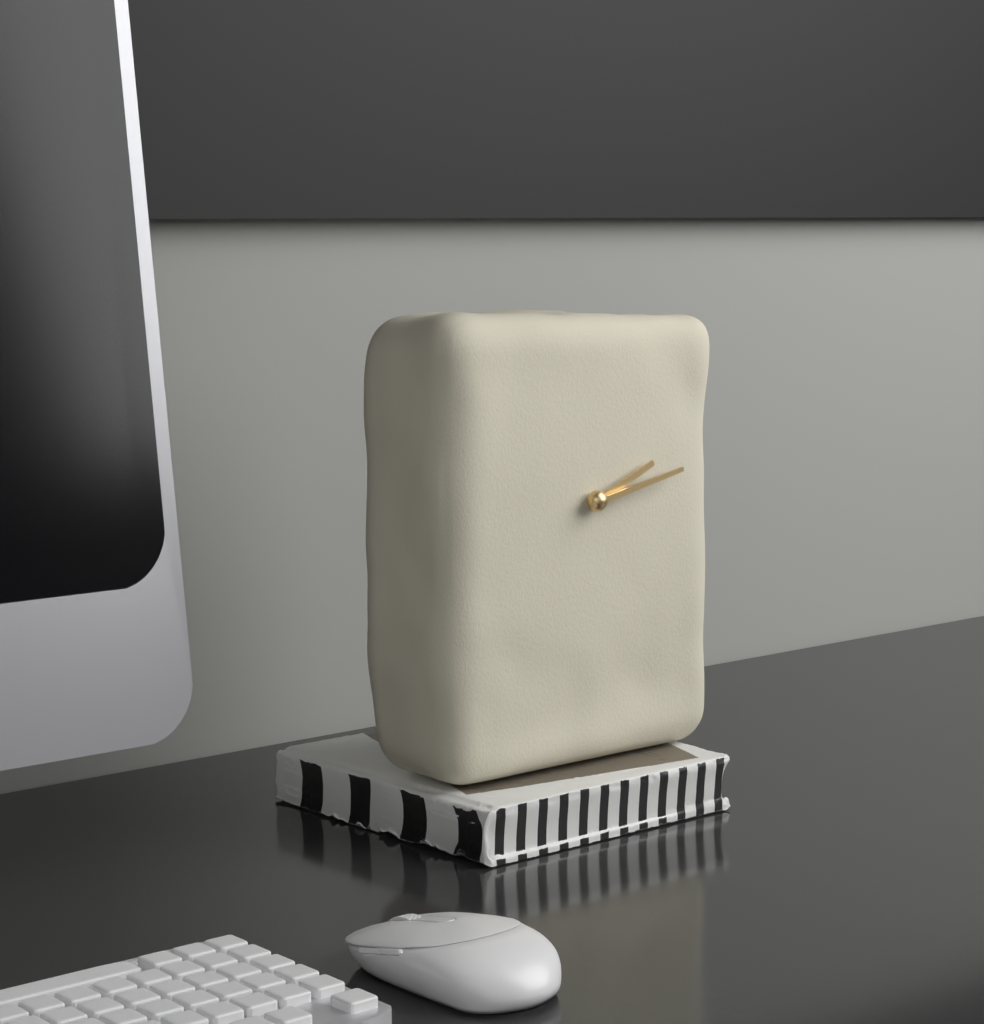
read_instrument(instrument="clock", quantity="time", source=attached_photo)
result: 2:13
